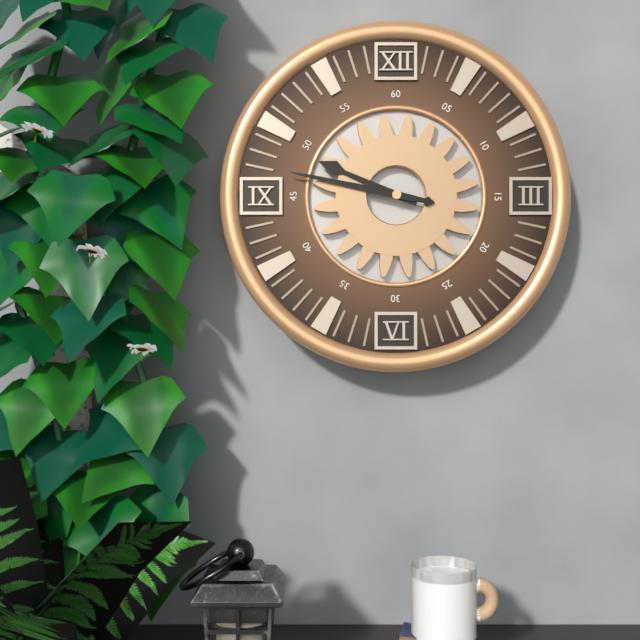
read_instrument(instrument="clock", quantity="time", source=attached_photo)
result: 9:47
